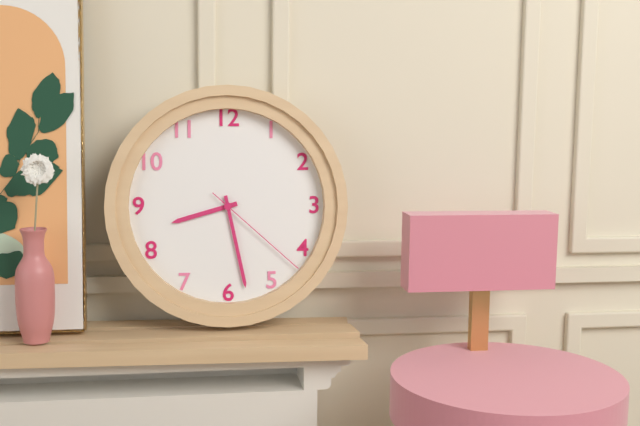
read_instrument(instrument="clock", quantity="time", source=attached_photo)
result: 8:28:22
